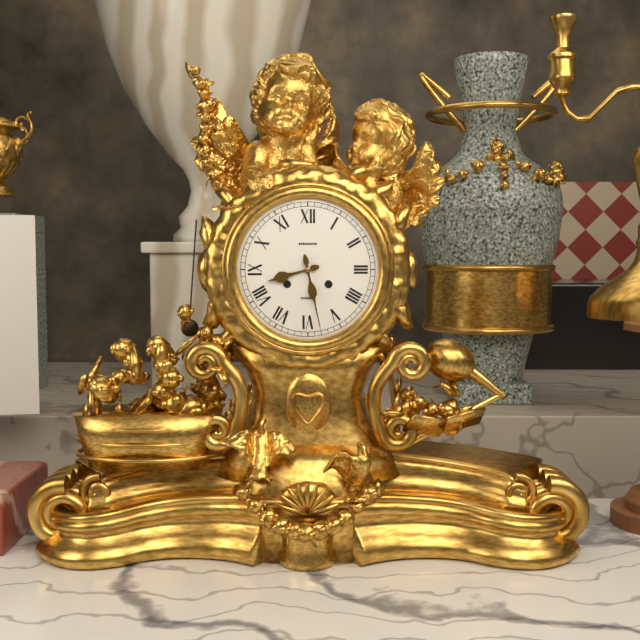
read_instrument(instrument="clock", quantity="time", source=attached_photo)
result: 8:28
